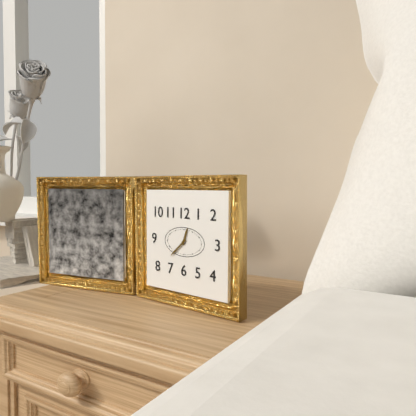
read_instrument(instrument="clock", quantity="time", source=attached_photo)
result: 12:38
